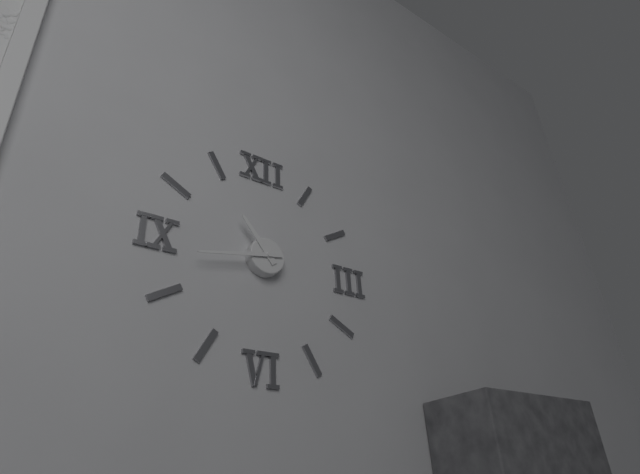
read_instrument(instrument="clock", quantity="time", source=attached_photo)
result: 10:43
